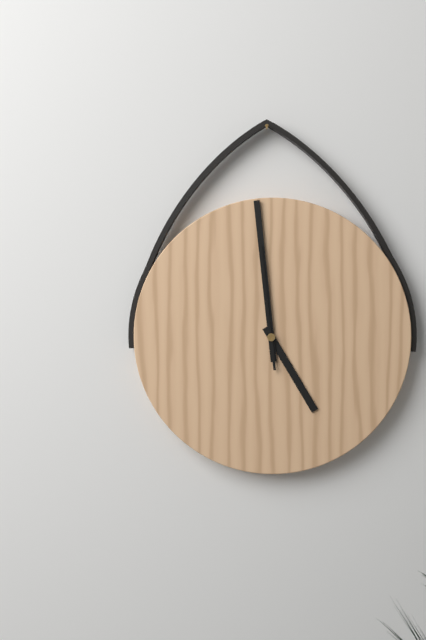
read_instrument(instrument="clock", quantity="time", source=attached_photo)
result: 4:59:59
